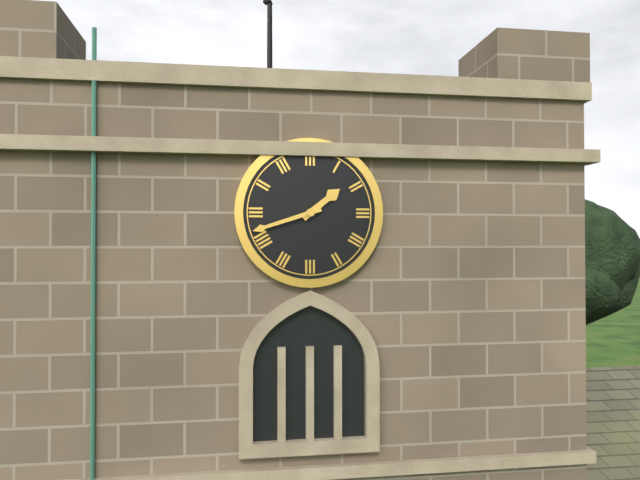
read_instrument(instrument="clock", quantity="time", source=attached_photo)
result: 1:42
